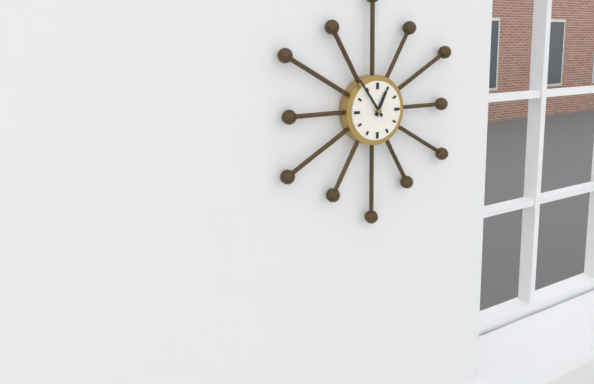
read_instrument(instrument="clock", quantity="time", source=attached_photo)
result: 12:54
